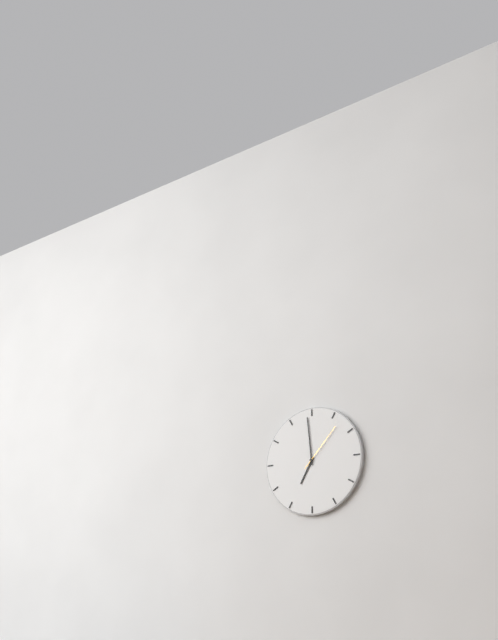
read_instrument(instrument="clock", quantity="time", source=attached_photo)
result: 6:59:07
